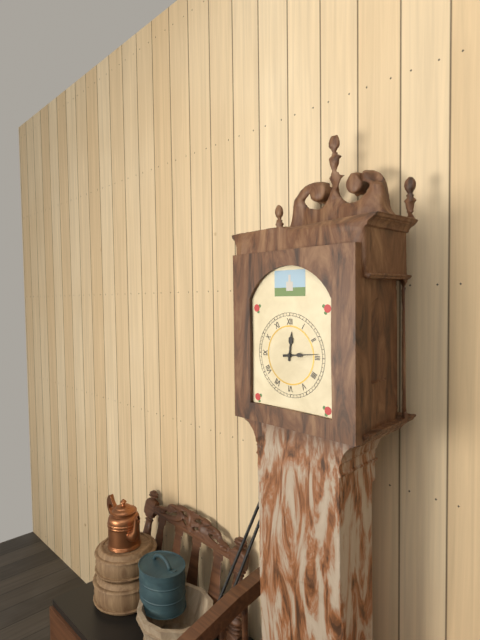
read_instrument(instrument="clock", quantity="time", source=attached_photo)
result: 12:14
